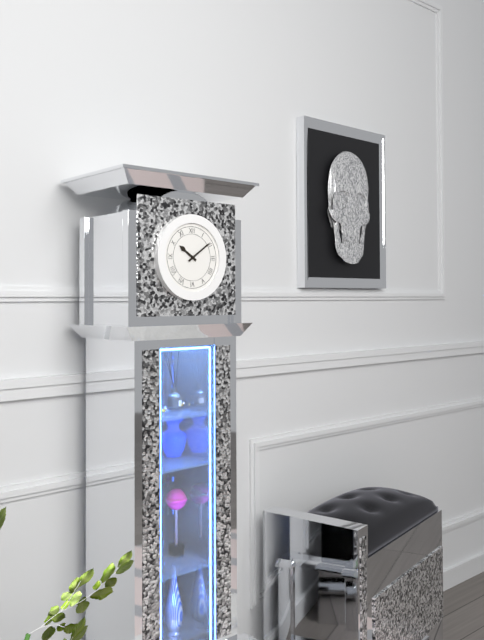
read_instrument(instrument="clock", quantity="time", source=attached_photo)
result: 10:09
